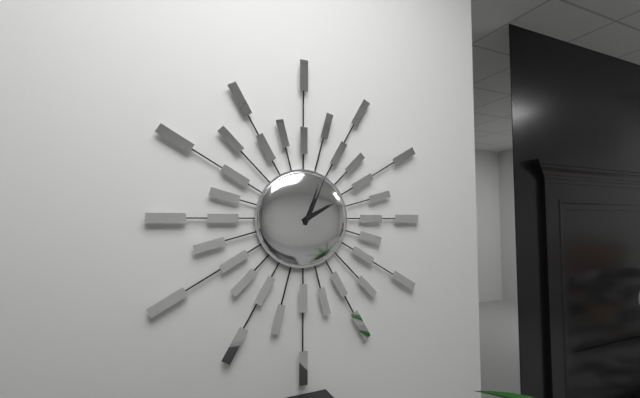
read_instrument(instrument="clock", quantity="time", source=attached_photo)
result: 2:04
